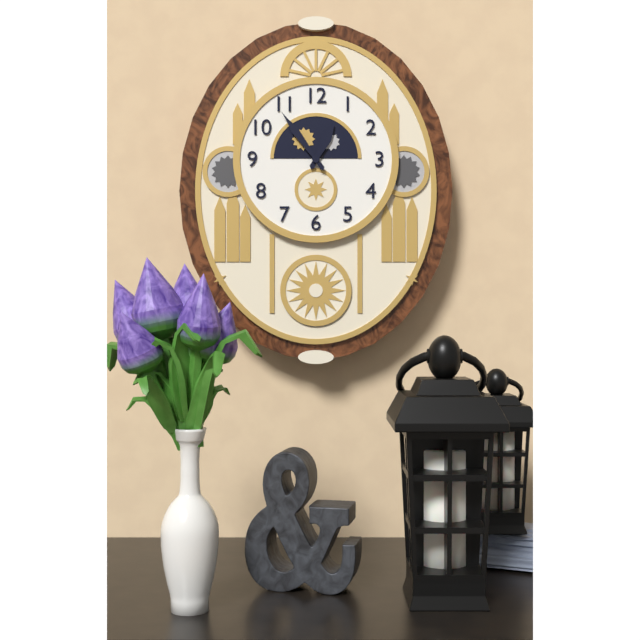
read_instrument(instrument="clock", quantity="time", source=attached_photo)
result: 12:54
